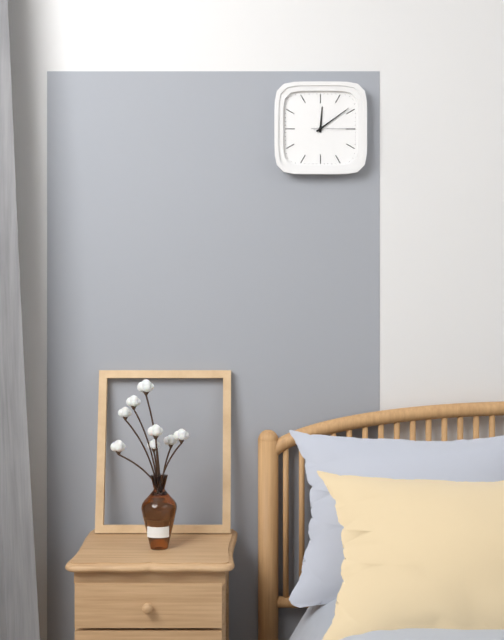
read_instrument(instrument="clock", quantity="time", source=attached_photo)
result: 12:09
